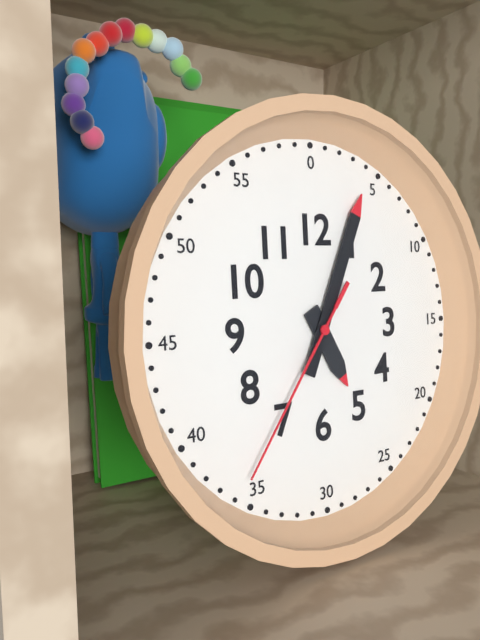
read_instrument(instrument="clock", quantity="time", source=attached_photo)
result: 5:04:36
